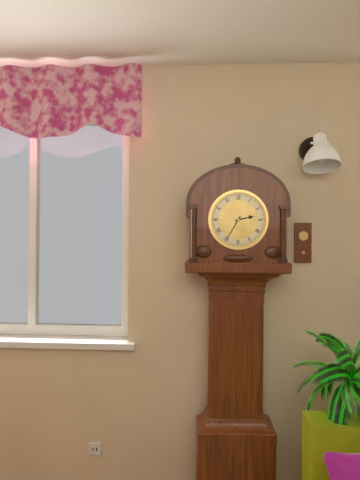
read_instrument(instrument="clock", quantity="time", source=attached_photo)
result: 2:35
